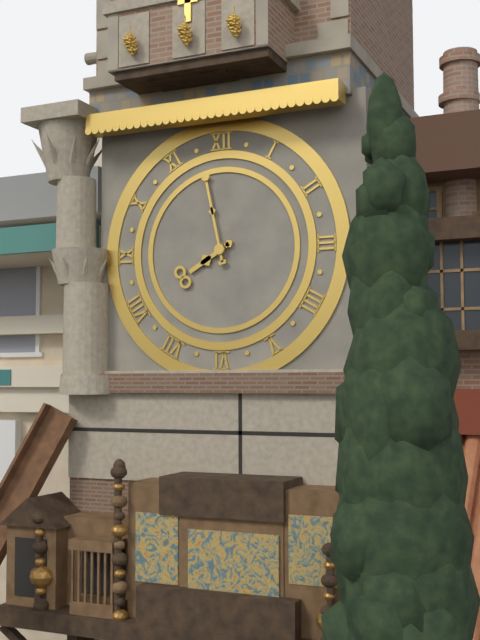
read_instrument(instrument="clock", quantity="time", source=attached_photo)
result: 7:58
